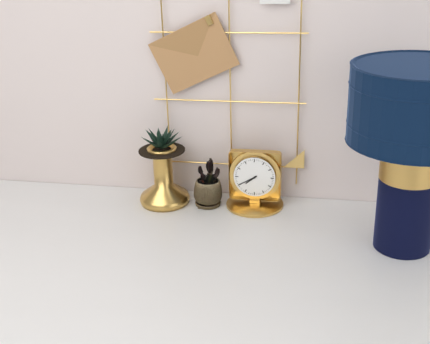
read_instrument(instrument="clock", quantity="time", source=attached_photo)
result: 7:40
